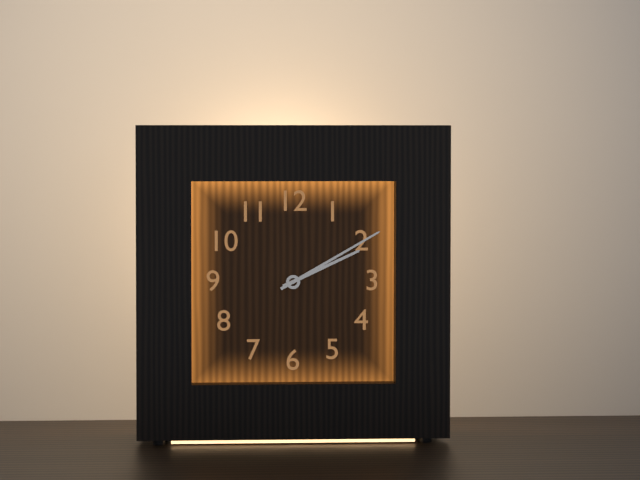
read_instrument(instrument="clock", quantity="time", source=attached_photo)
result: 2:10
